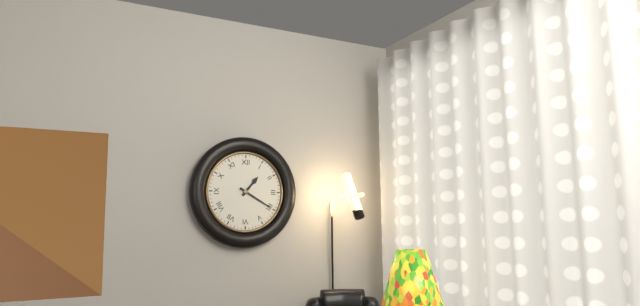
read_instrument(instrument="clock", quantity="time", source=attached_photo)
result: 1:20
